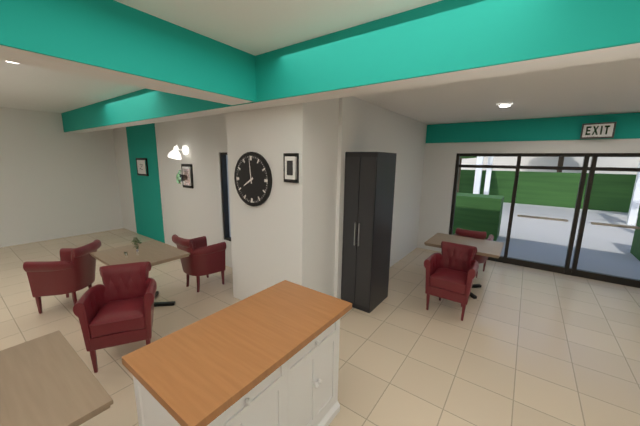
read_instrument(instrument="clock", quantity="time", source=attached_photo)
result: 7:59
